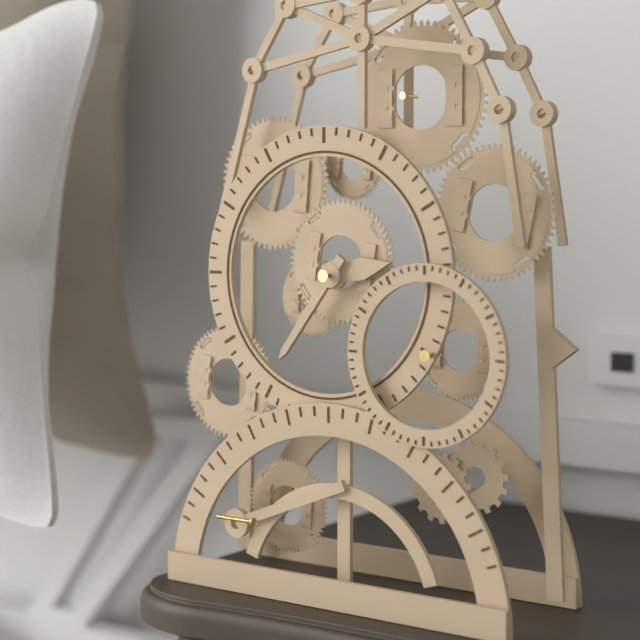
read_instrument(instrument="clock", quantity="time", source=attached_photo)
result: 2:36
